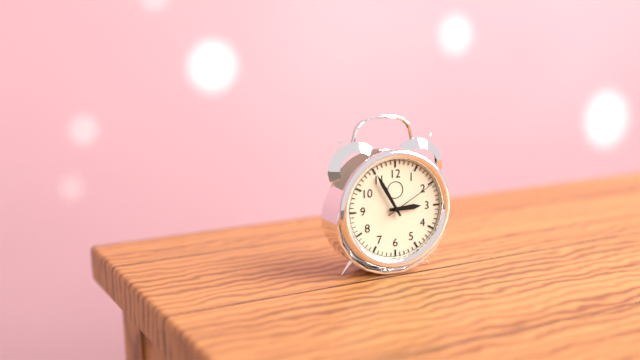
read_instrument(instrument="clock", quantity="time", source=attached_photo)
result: 2:55:10
